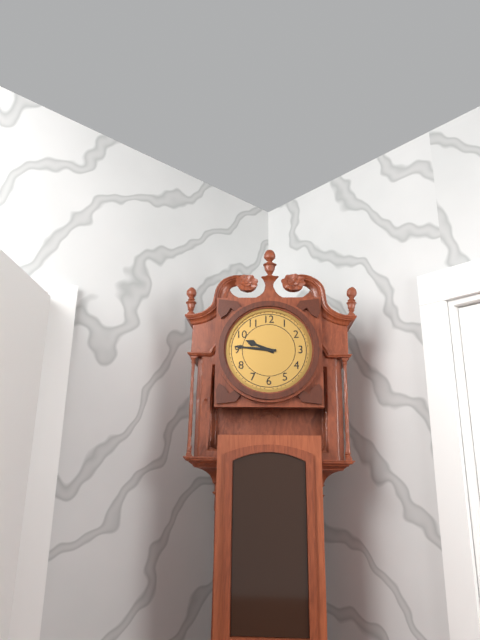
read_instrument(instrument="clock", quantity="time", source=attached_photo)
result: 9:46
